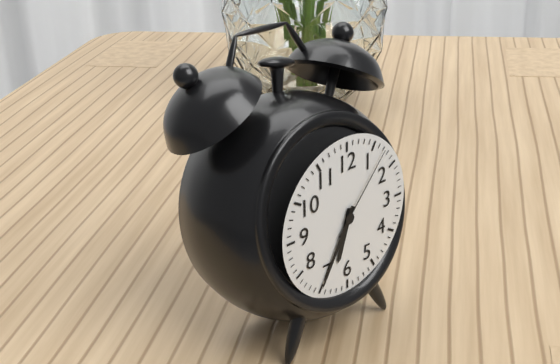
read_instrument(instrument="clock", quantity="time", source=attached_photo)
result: 6:35:07
